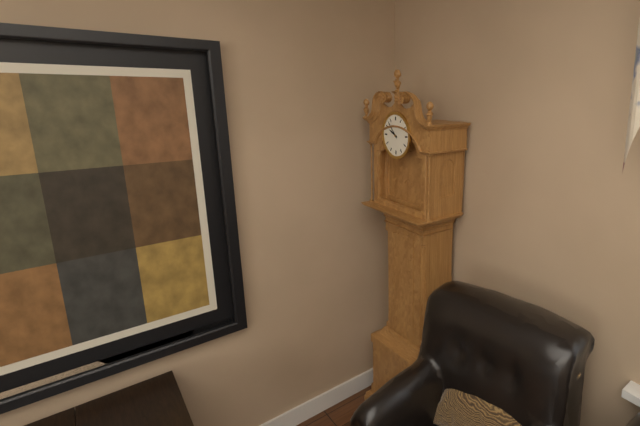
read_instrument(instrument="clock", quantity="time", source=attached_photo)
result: 9:53
